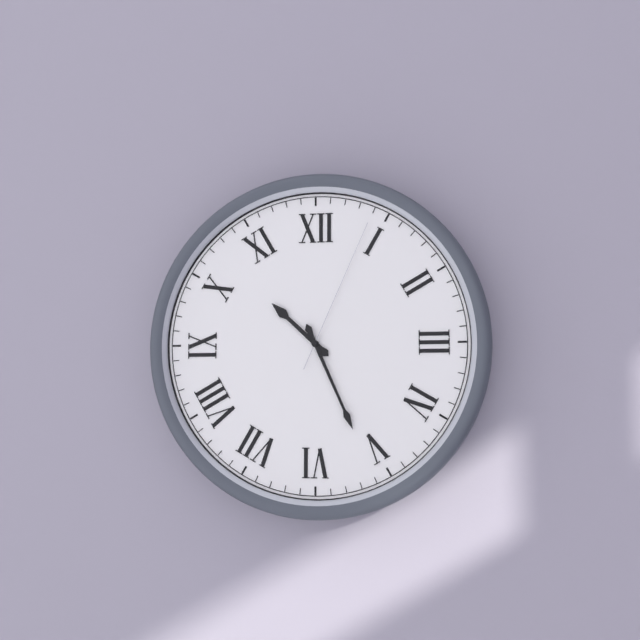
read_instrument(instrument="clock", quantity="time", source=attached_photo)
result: 10:26:04
